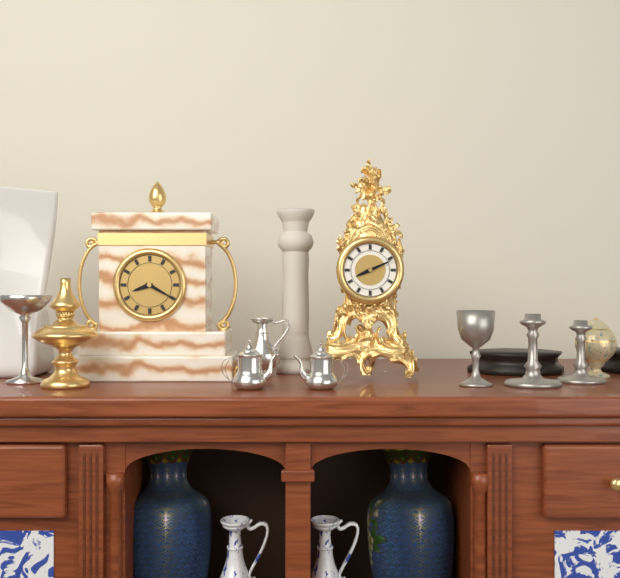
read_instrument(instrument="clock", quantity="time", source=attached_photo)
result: 8:11
